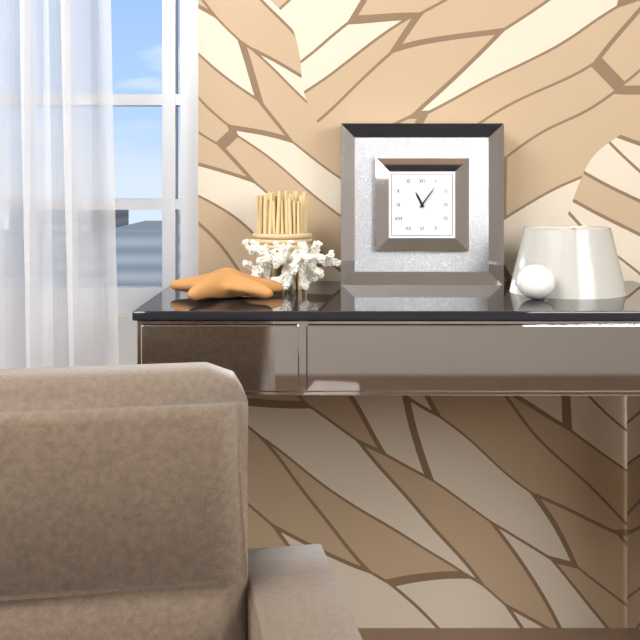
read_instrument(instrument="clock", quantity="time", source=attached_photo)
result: 11:06
